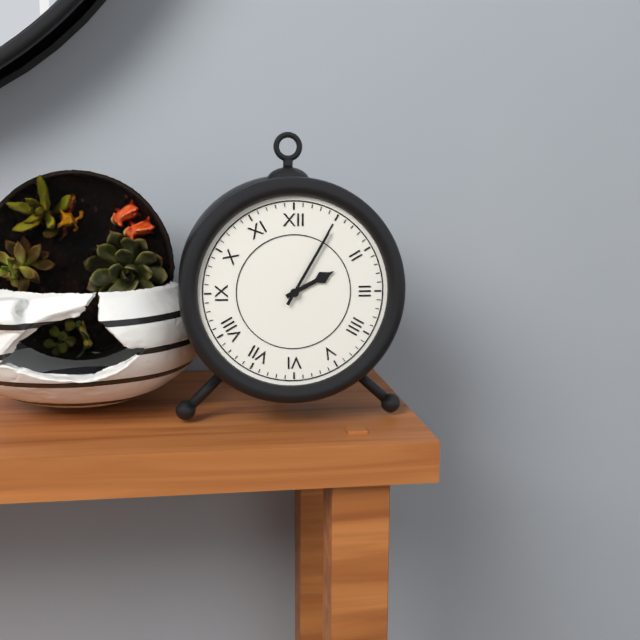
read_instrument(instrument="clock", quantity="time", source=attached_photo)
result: 2:05
